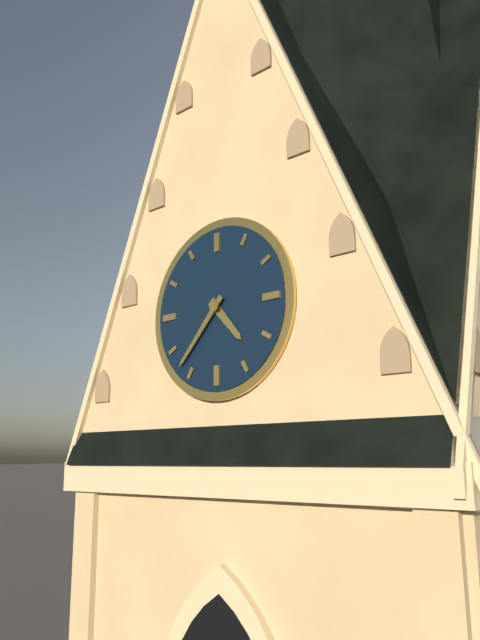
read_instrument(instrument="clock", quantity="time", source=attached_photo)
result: 4:37
